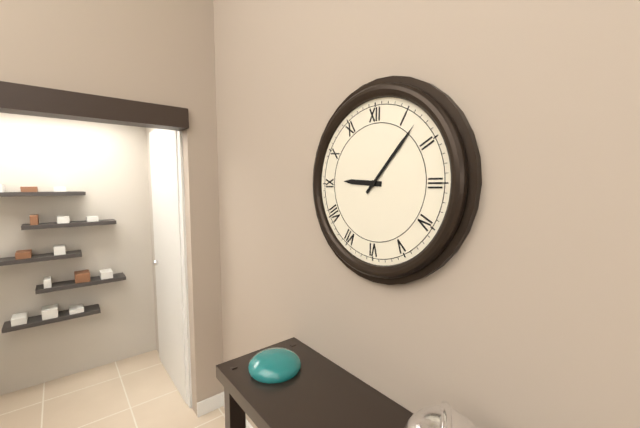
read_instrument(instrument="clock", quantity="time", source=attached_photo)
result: 9:07
